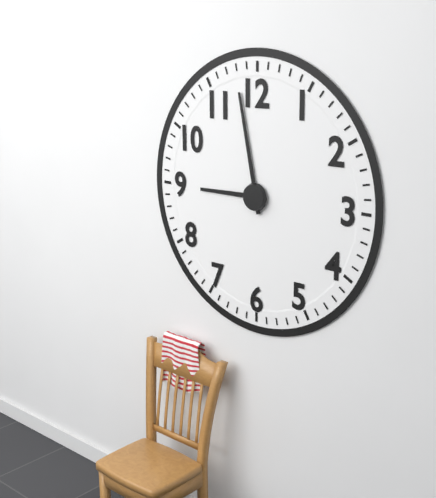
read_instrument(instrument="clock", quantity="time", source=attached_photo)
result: 8:58
